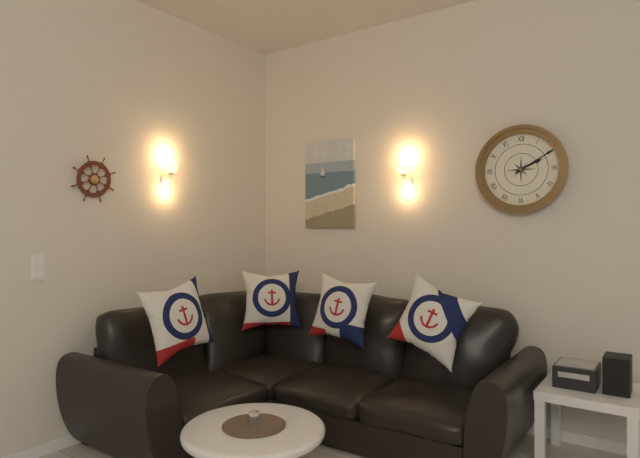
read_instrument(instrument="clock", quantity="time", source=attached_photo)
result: 2:10
